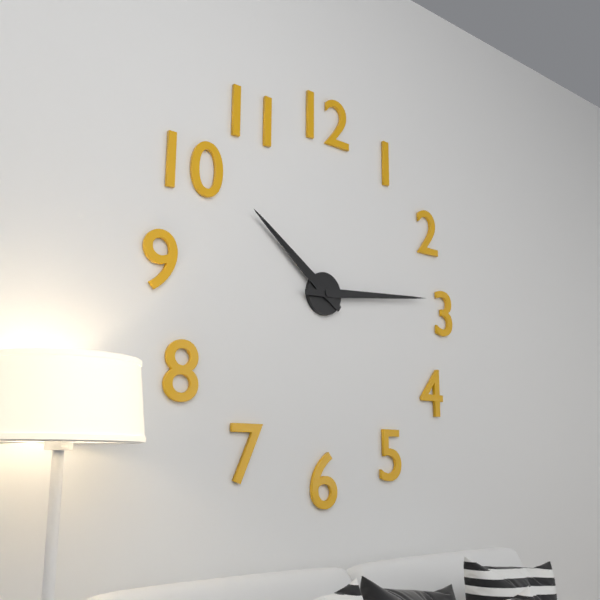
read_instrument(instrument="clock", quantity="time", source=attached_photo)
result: 10:14
